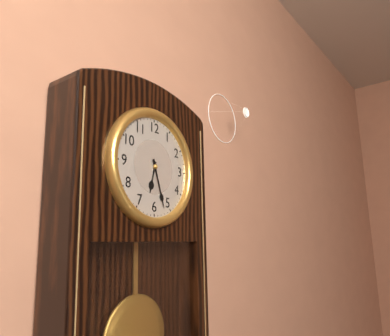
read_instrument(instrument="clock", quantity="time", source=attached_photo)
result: 6:27
